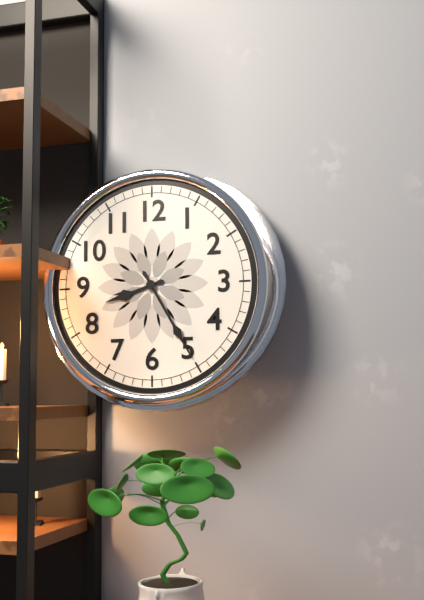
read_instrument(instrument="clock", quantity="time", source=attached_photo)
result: 8:25
